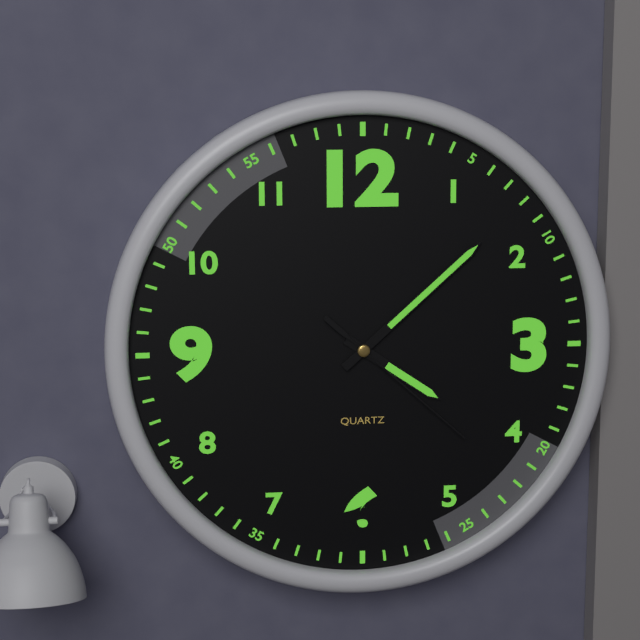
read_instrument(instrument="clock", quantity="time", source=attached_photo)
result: 4:08:22
